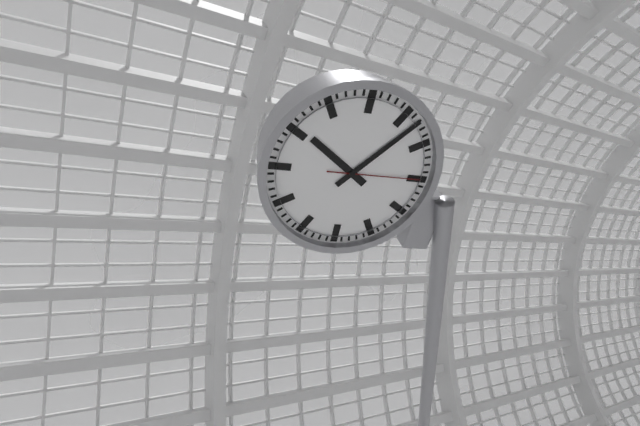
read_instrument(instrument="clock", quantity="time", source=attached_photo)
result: 10:07:15
